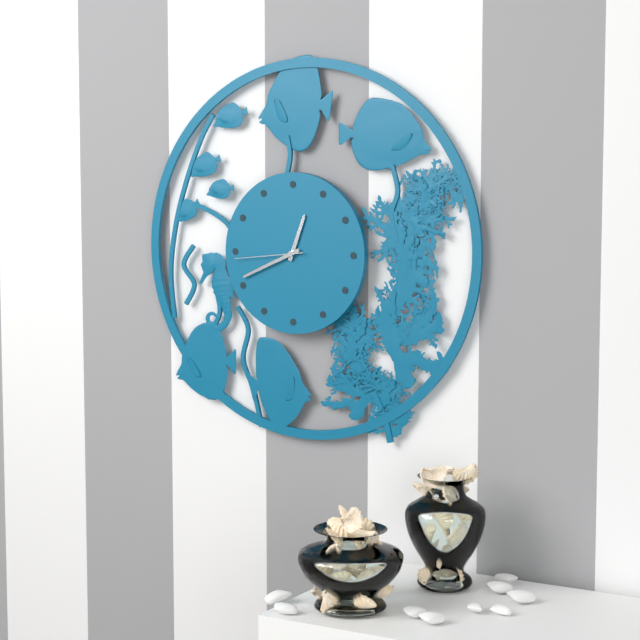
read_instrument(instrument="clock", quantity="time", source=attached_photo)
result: 12:41:44
